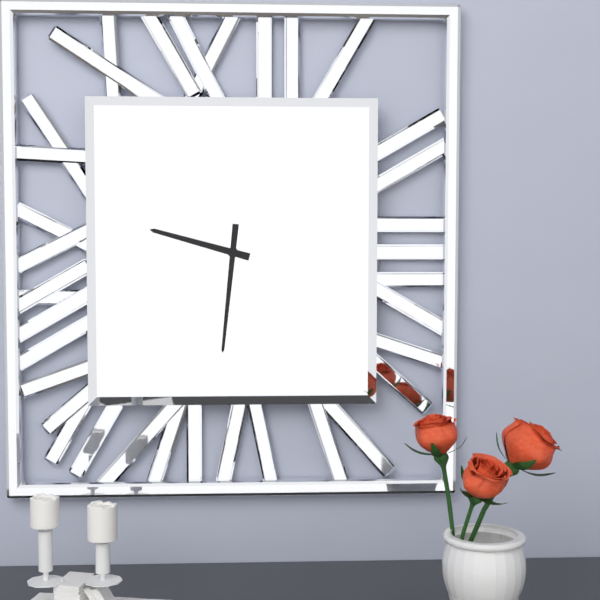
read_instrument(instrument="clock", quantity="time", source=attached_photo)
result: 9:31
